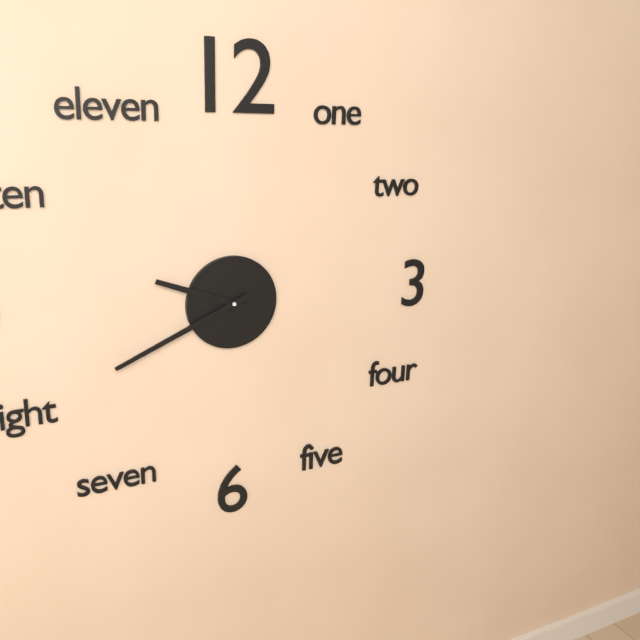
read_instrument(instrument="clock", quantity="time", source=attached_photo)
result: 9:41
